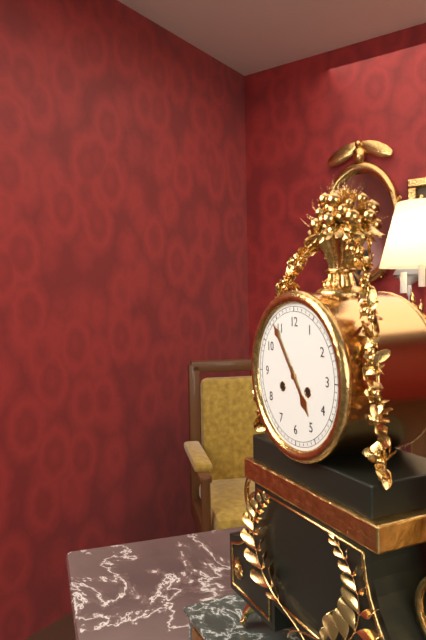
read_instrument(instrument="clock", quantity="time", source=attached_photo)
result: 4:54
